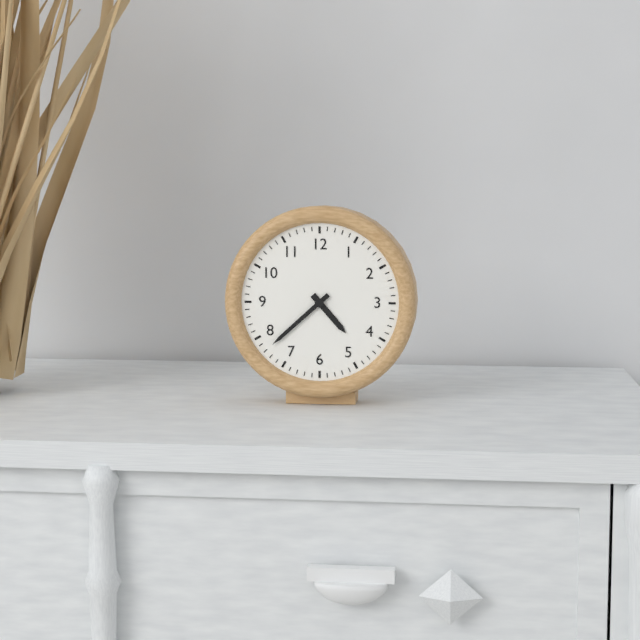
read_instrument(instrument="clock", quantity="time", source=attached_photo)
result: 4:38
